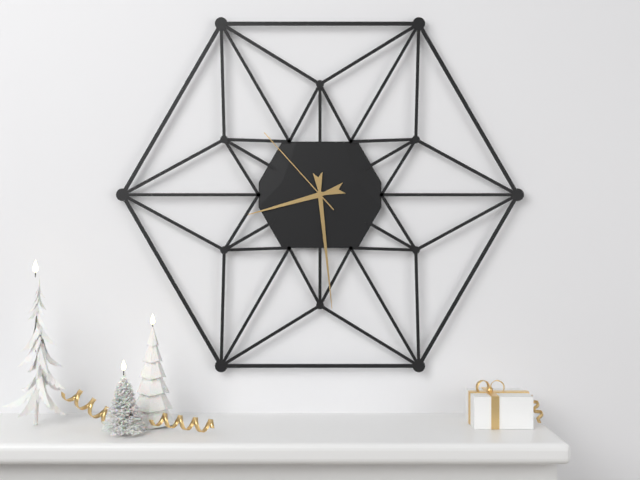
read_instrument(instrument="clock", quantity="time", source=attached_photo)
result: 8:29:53
